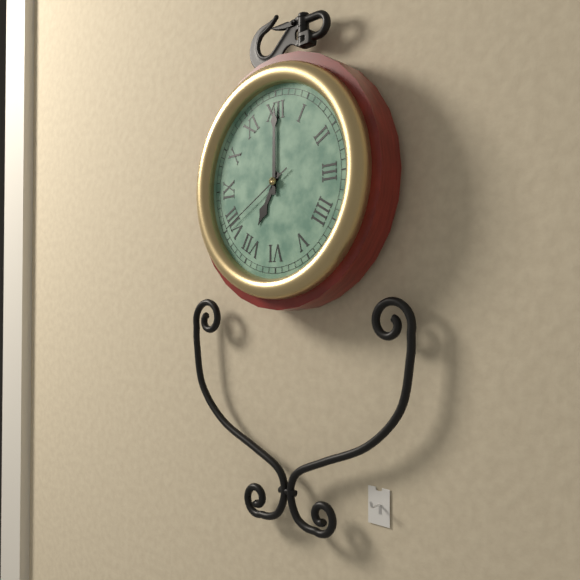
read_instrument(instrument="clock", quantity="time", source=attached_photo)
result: 7:00:40
